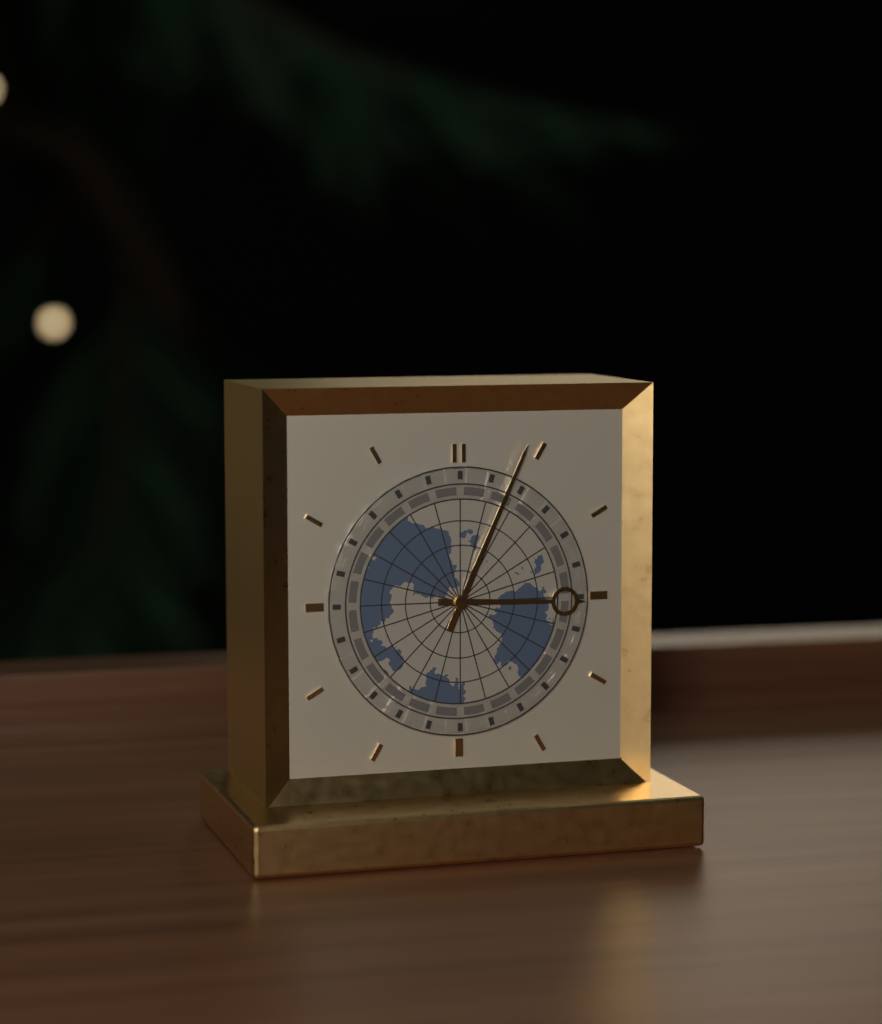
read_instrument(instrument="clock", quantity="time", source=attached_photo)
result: 3:04
